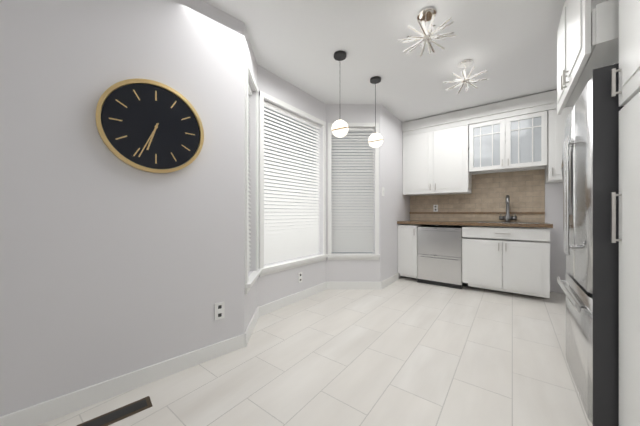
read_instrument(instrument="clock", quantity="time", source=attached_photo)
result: 6:34
